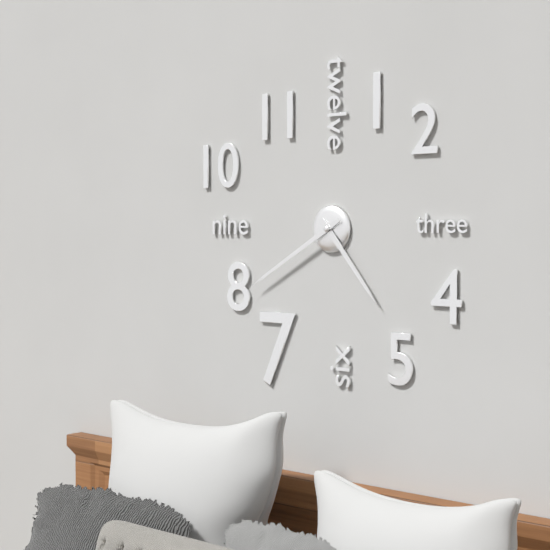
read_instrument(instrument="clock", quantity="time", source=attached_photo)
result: 4:40
